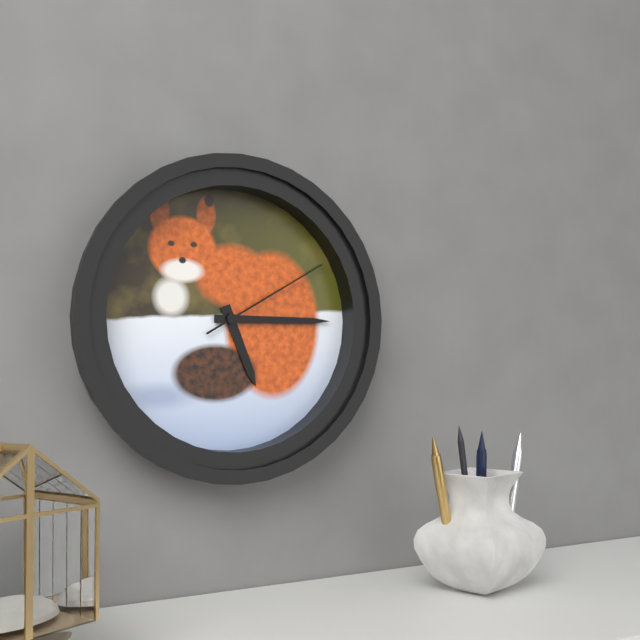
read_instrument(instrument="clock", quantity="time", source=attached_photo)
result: 5:15:10
